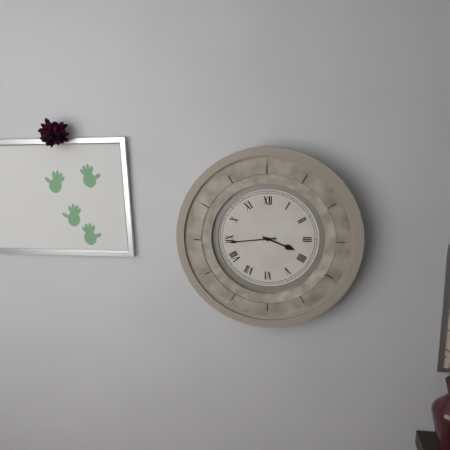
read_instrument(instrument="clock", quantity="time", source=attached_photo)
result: 3:44
